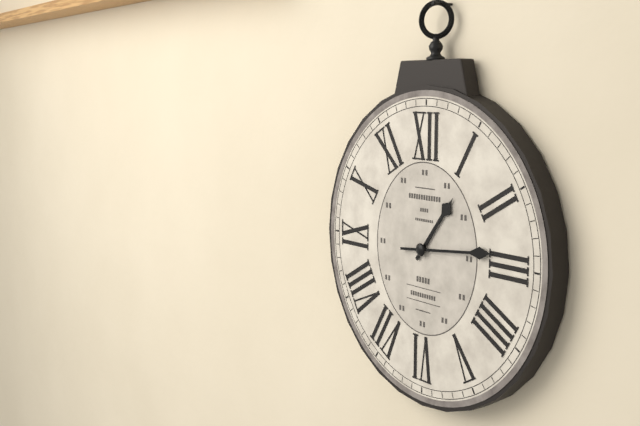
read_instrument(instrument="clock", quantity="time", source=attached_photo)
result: 1:14
